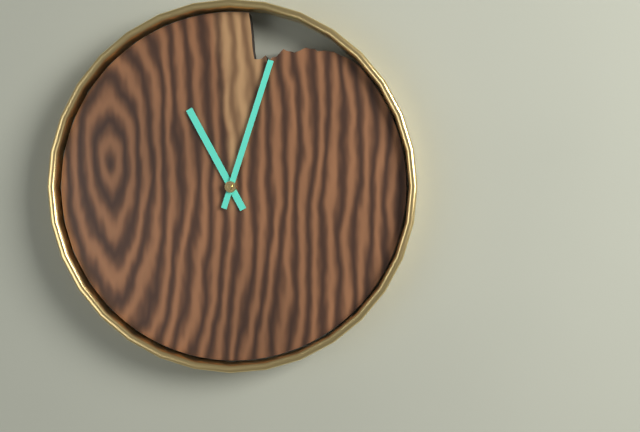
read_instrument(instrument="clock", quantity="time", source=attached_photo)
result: 11:03
